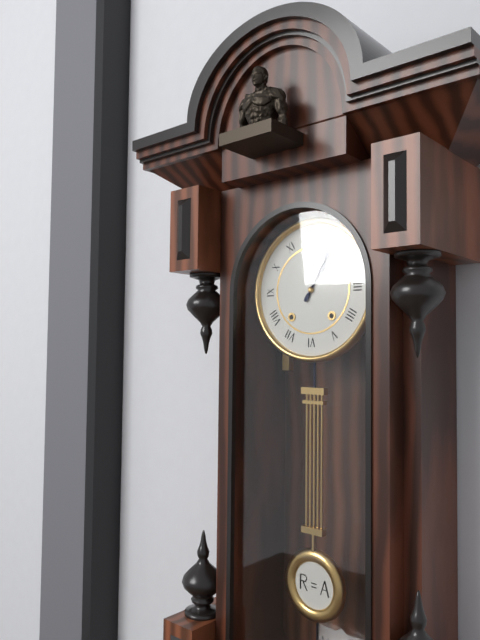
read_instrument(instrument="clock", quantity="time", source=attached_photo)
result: 1:05
